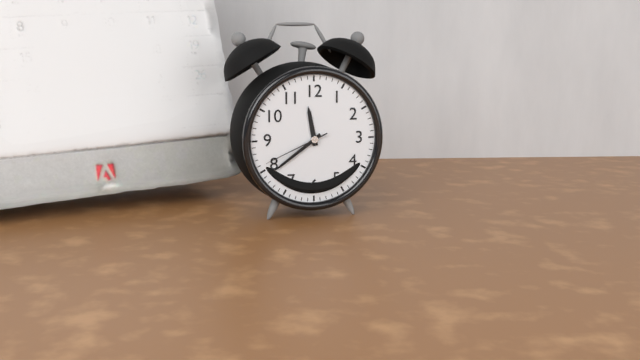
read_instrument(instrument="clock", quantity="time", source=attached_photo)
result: 11:39:41
